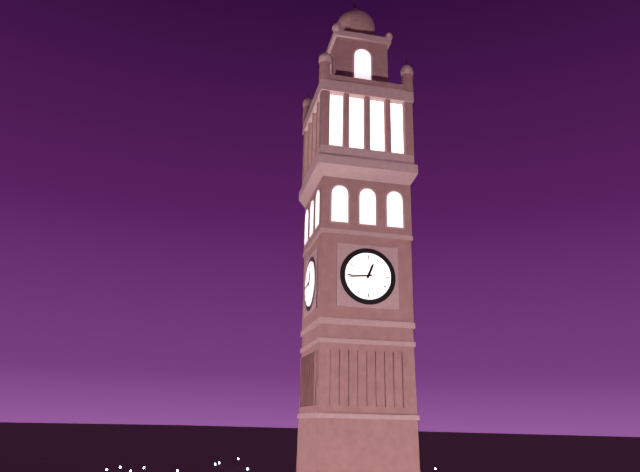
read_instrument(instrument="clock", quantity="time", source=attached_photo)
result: 12:44
